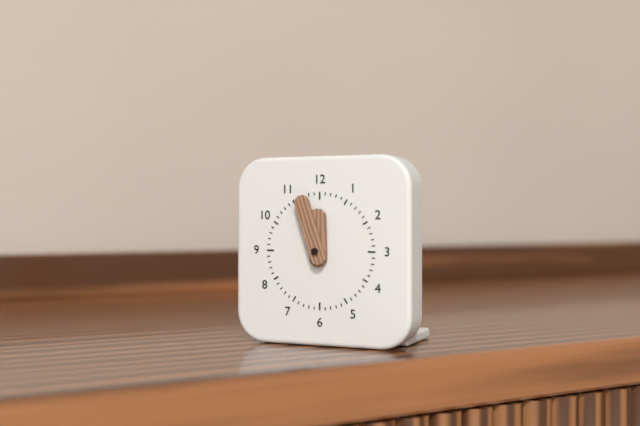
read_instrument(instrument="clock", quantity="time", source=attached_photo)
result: 11:57
